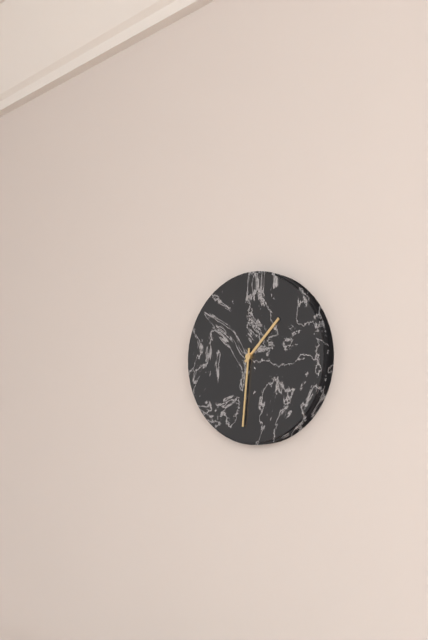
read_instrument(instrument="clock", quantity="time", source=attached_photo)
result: 1:31
